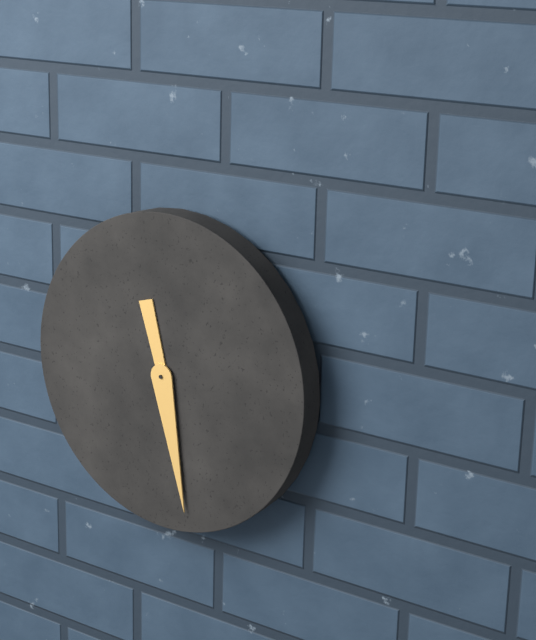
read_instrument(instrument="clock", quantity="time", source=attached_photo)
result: 11:28
